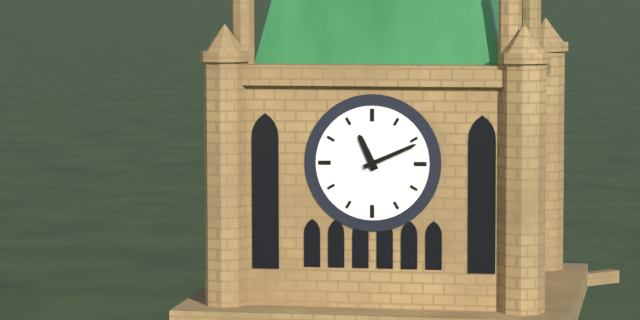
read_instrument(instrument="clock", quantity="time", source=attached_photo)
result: 11:11
